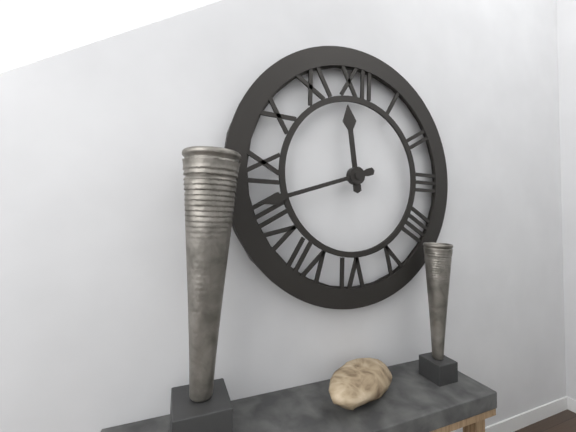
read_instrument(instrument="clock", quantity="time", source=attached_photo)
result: 11:42
